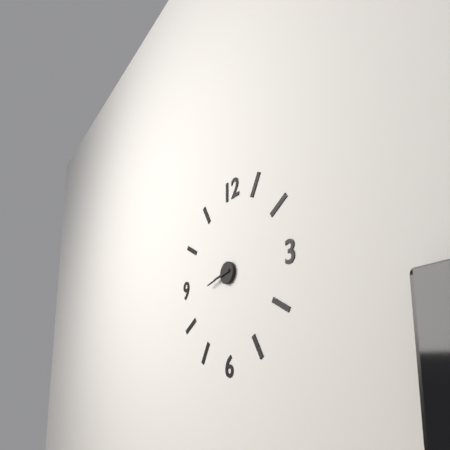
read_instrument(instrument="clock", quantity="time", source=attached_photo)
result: 8:43
